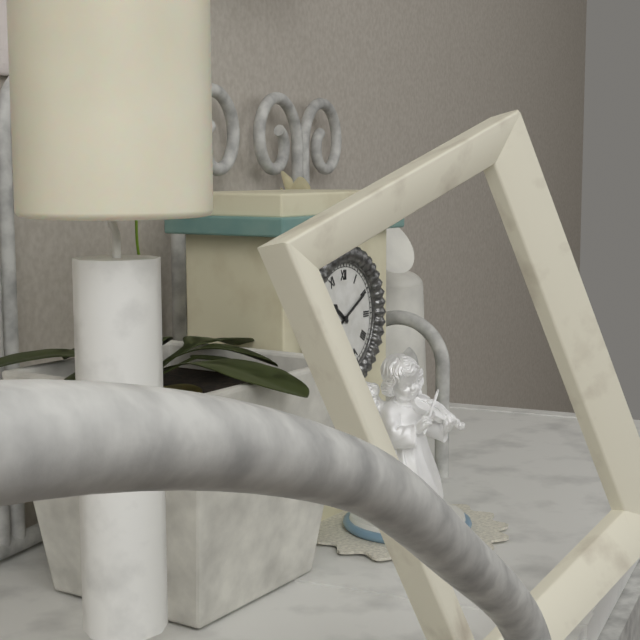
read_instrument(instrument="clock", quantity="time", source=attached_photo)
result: 10:10
